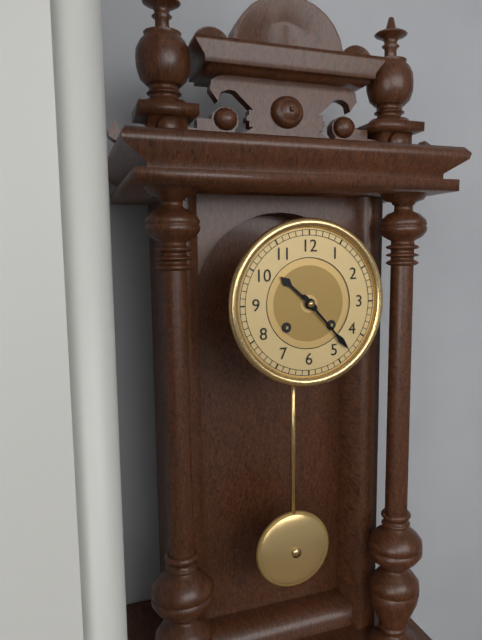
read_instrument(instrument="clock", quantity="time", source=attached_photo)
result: 10:23
